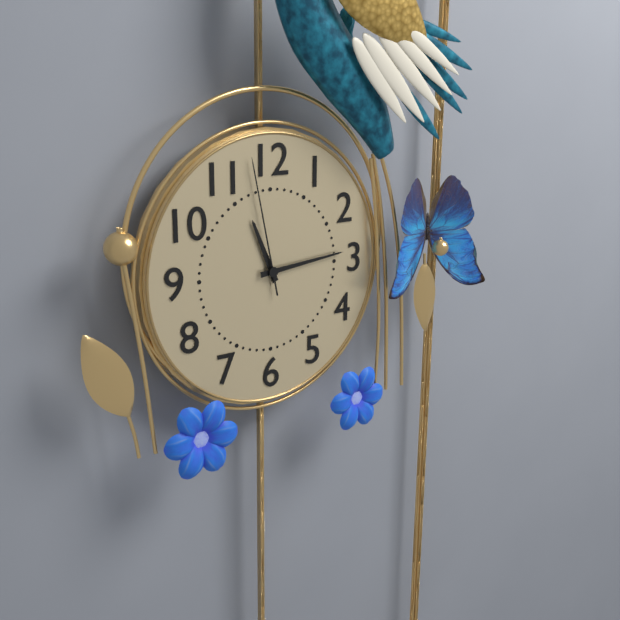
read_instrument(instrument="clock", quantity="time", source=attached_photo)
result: 11:14:58
